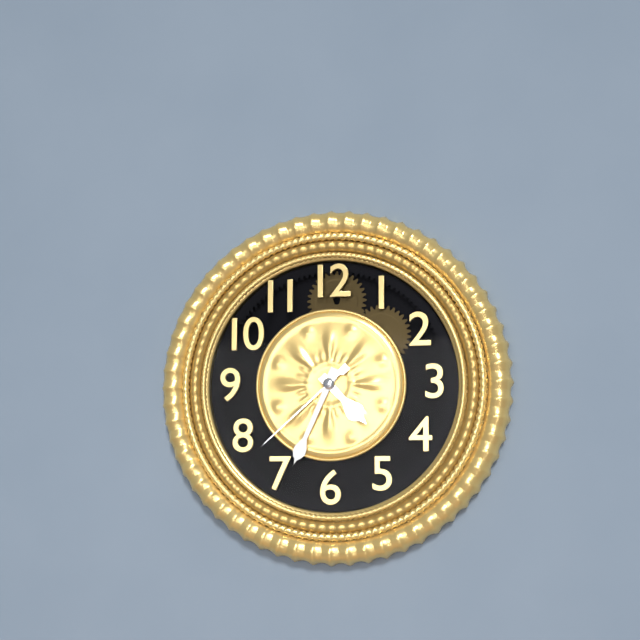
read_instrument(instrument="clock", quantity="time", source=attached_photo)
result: 4:34:38
